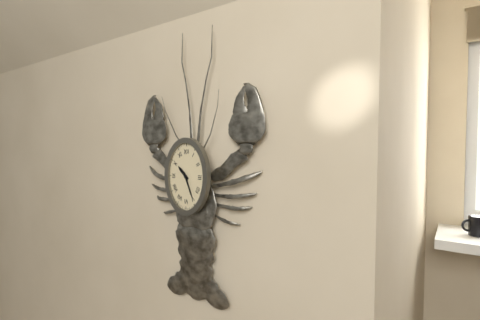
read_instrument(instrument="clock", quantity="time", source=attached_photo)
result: 10:26
